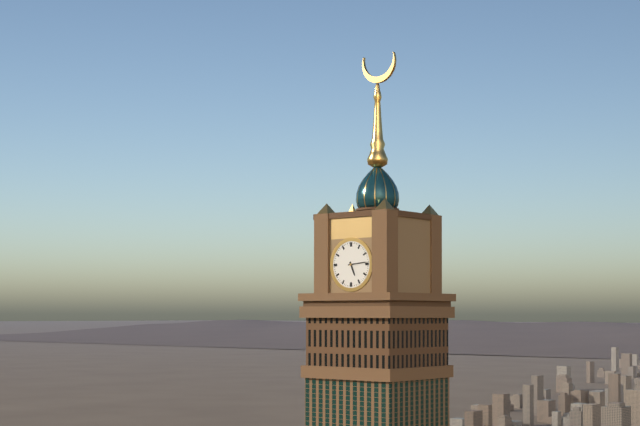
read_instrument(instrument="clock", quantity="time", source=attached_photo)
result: 5:14
